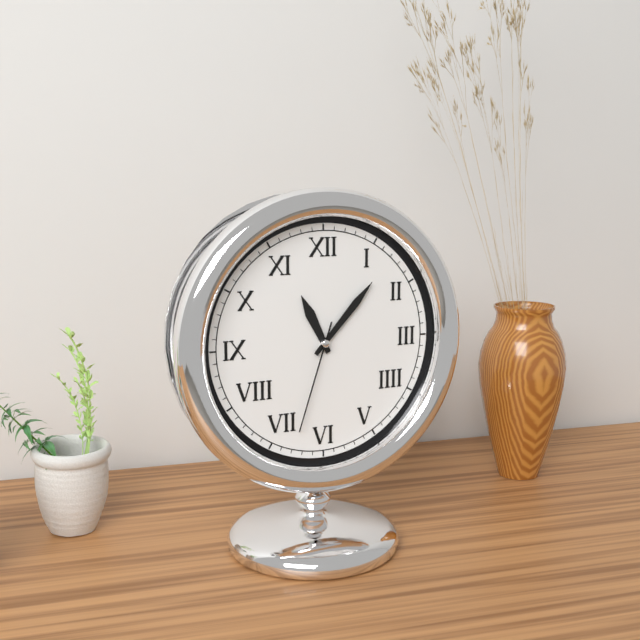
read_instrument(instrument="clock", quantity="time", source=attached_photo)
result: 11:07:33
